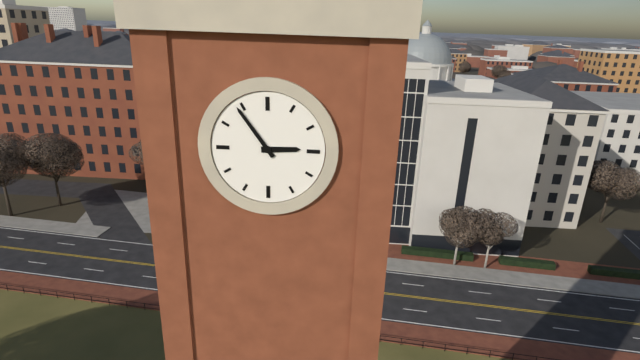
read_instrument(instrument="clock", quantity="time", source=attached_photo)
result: 2:54
